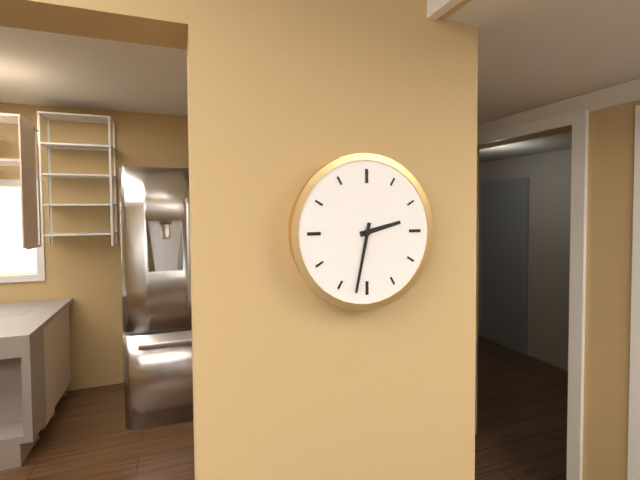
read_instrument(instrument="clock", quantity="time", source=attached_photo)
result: 2:32
